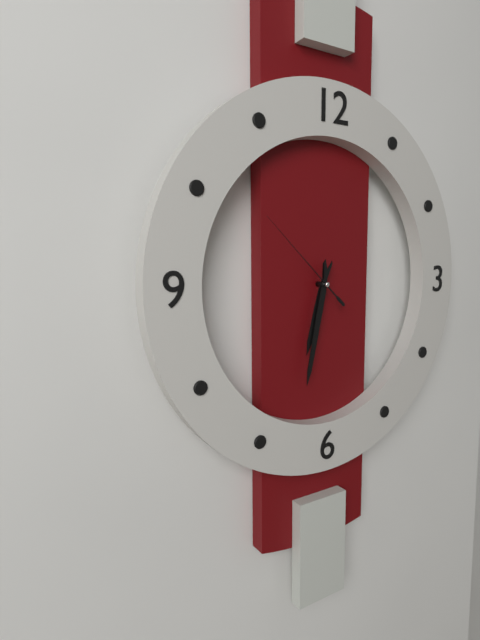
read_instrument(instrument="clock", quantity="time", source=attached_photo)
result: 6:32:52
